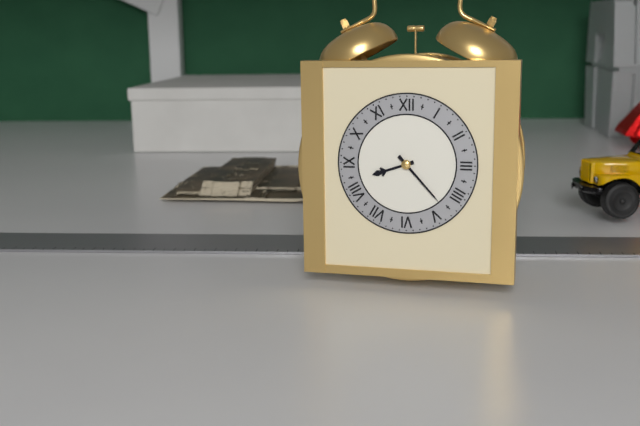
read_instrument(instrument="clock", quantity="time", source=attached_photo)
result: 8:23
